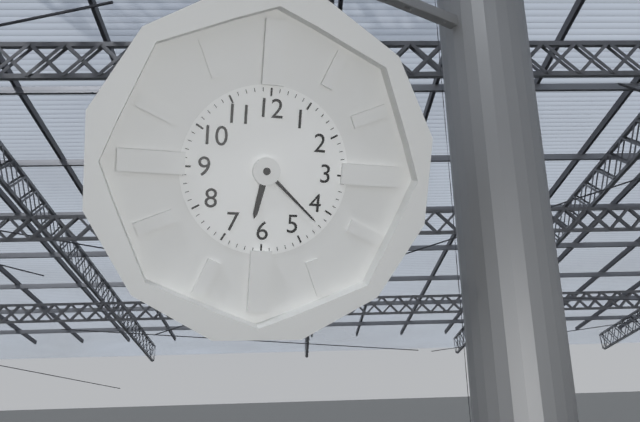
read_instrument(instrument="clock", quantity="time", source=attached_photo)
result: 6:22
